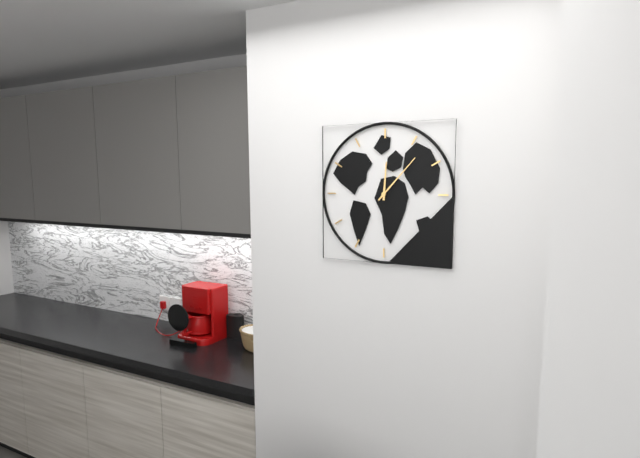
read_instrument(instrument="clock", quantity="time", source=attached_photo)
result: 12:07
